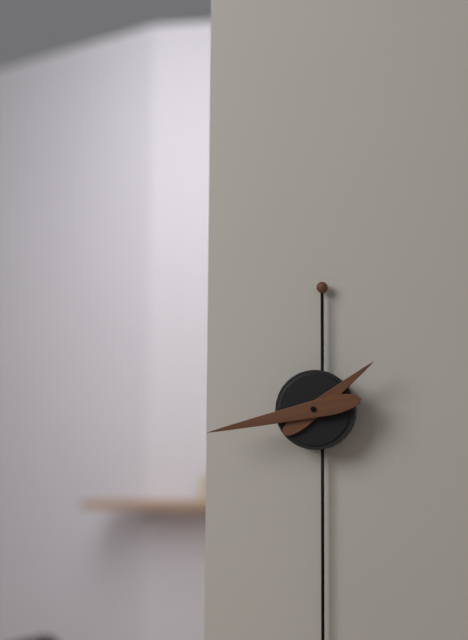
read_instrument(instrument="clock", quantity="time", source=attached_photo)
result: 1:43
